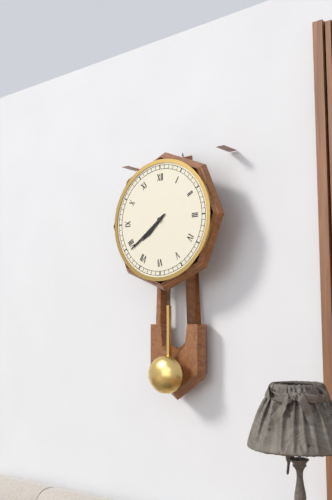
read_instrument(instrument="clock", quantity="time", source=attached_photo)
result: 7:39
